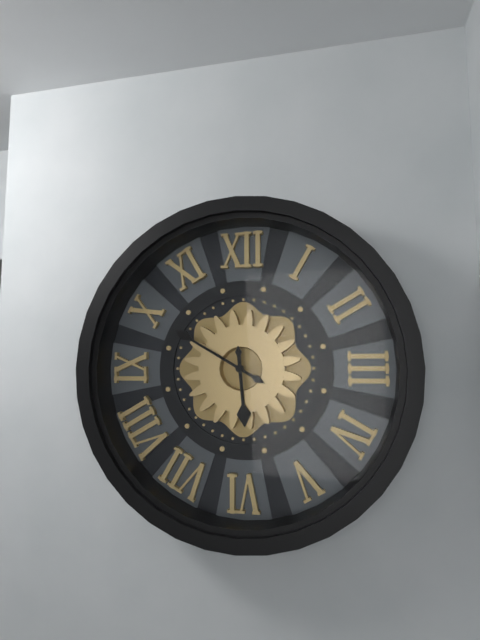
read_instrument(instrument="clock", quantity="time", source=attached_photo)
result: 5:50
